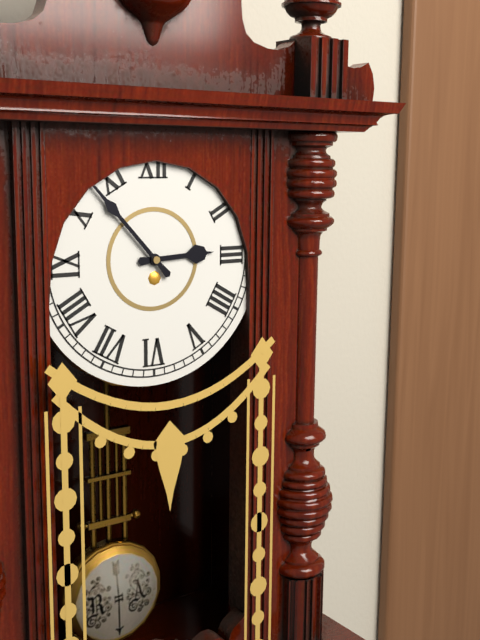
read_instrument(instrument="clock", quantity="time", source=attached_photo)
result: 2:53
